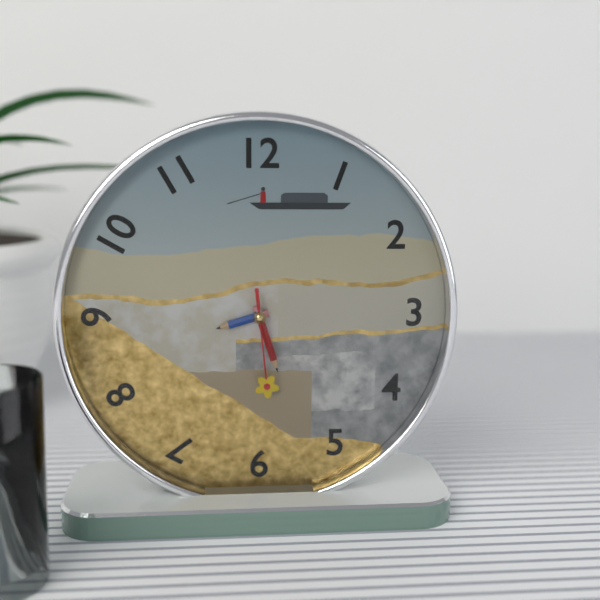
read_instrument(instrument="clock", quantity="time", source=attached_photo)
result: 8:27:29
